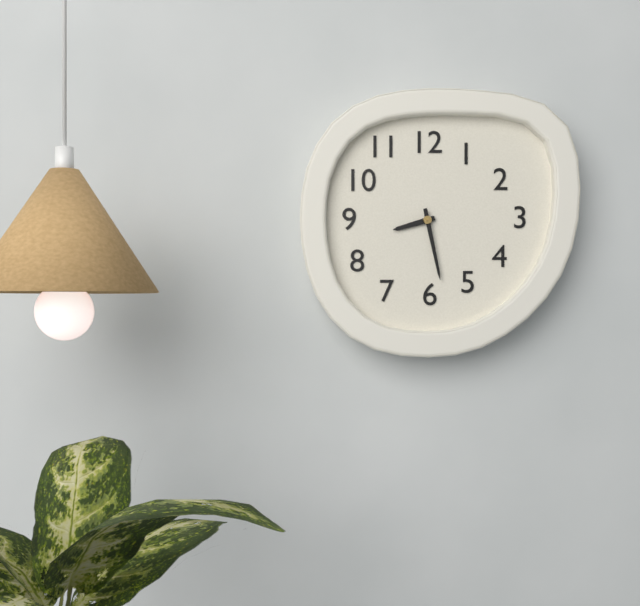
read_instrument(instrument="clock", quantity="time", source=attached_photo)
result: 8:28
